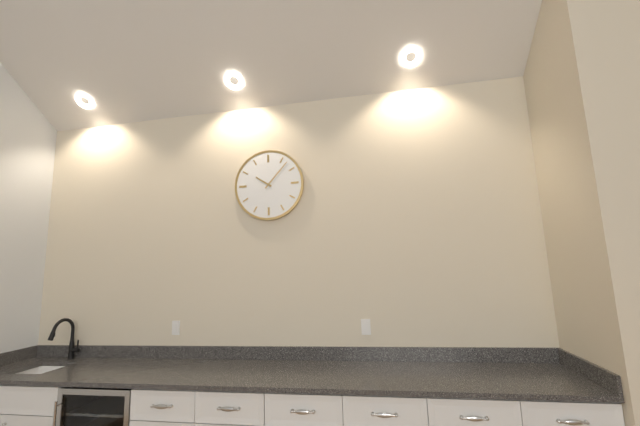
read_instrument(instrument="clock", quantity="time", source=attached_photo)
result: 10:07
